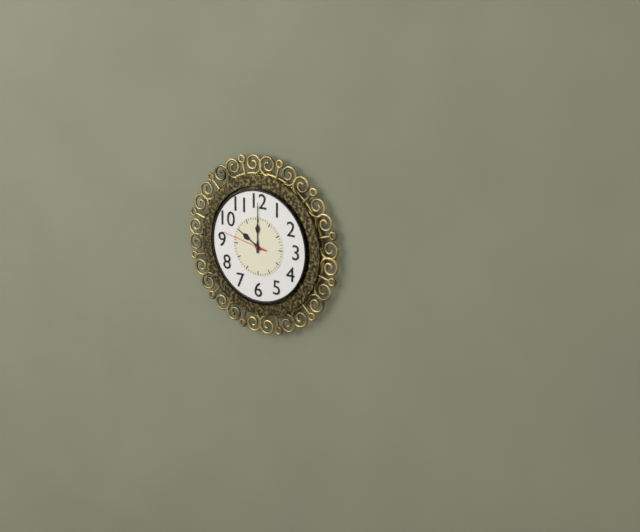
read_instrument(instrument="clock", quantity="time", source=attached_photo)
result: 10:00
